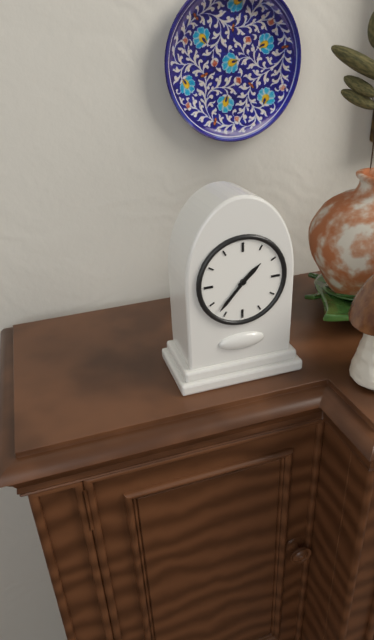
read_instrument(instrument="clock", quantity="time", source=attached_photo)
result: 1:37
